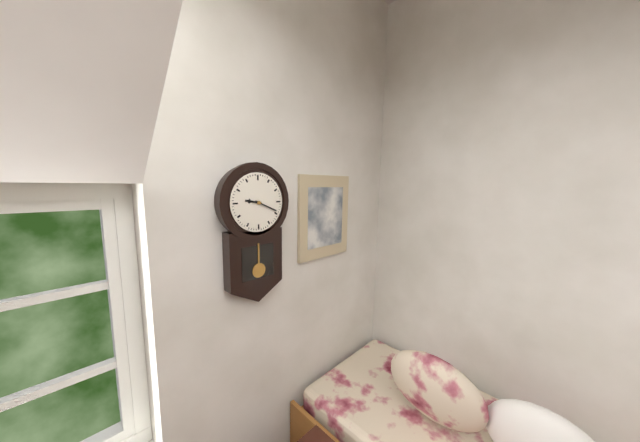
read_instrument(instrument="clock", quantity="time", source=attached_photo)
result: 9:19
